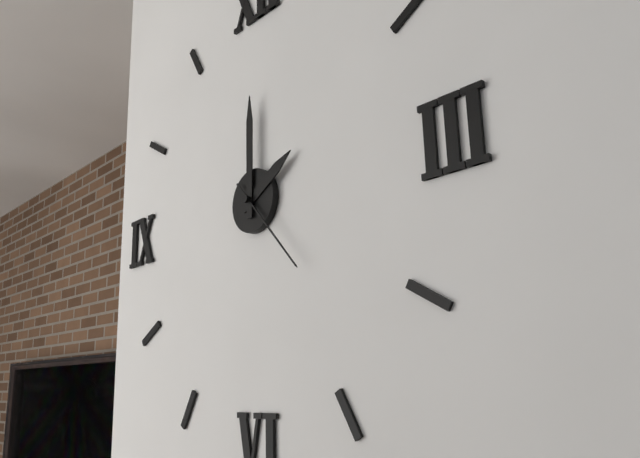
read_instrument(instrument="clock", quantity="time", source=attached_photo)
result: 2:00:23
